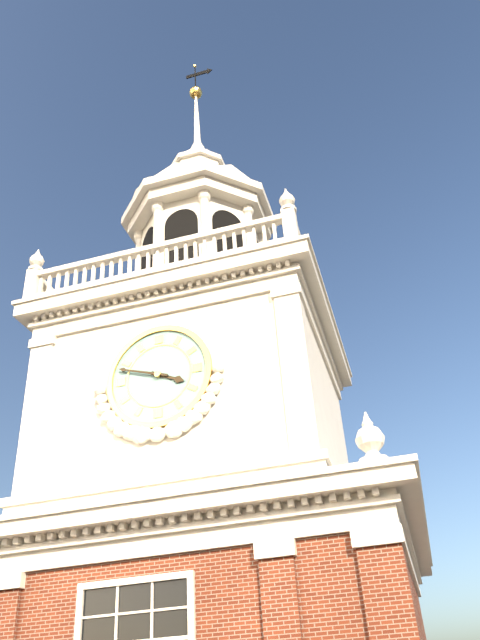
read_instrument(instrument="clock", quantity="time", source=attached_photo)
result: 3:48
